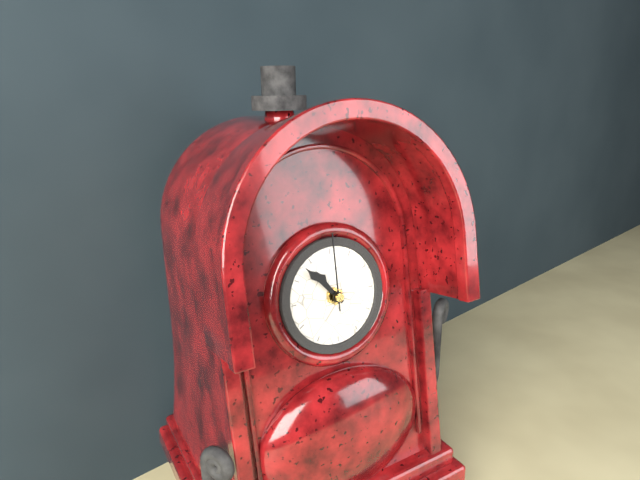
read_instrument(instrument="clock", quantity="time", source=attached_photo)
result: 10:53:00
